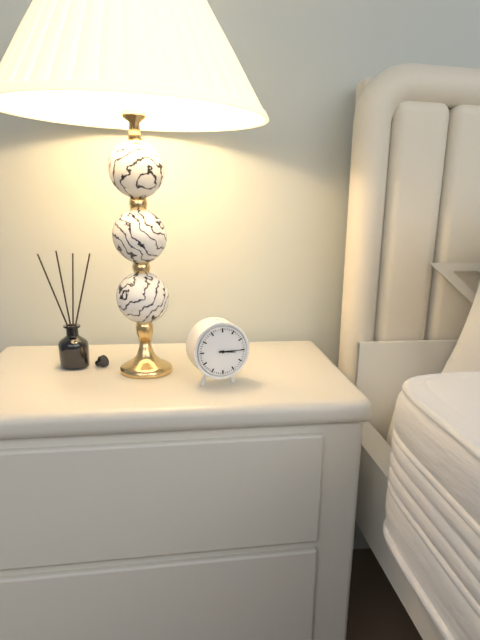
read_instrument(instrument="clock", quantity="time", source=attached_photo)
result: 3:15
